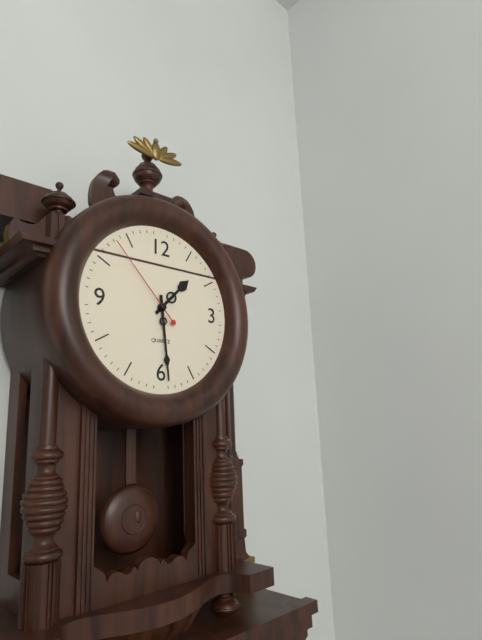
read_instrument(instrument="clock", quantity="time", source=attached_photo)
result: 1:29:53
